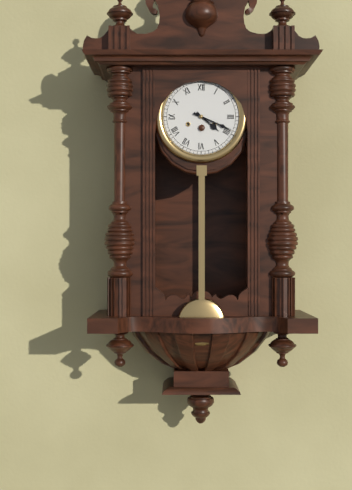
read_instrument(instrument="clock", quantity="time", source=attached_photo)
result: 4:19
